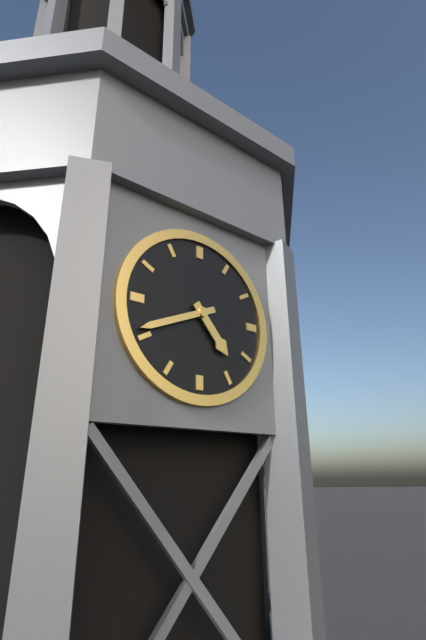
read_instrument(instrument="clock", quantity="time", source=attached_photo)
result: 4:41
